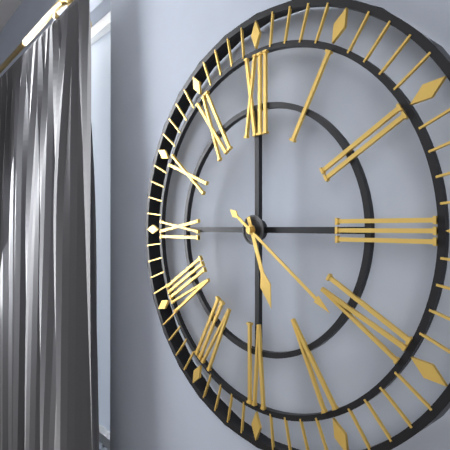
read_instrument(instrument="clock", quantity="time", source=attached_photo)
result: 5:21
